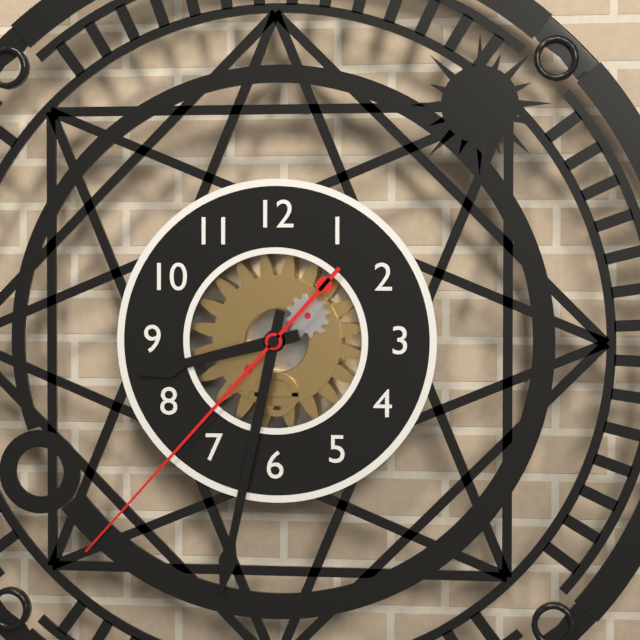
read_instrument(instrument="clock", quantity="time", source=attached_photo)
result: 8:32:37
